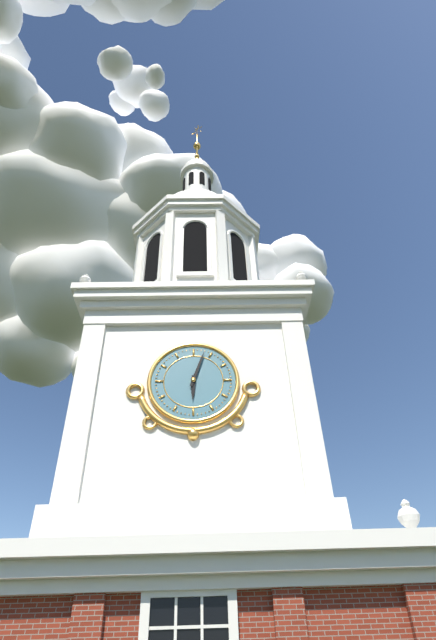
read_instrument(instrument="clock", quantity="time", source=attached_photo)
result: 6:03
